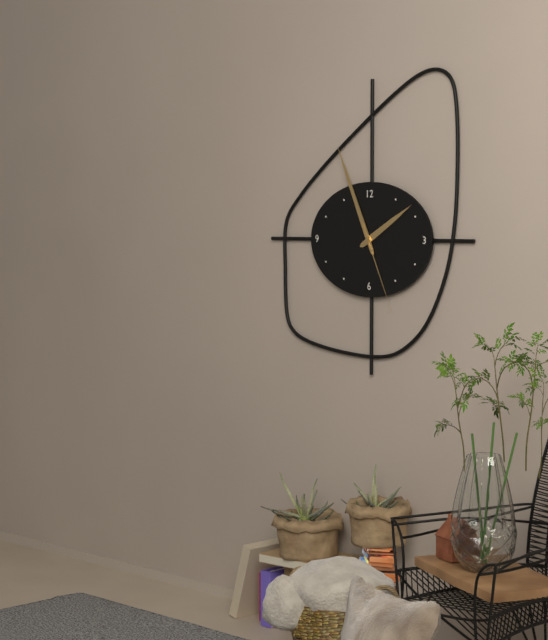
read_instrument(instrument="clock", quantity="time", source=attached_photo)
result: 1:56:26
